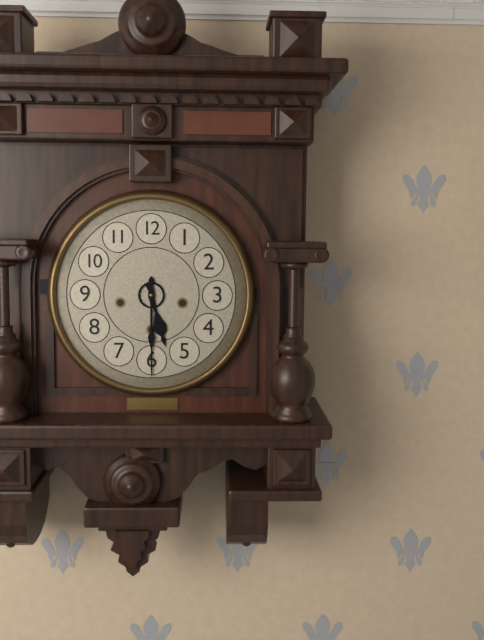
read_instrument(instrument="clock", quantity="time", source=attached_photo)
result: 5:30
